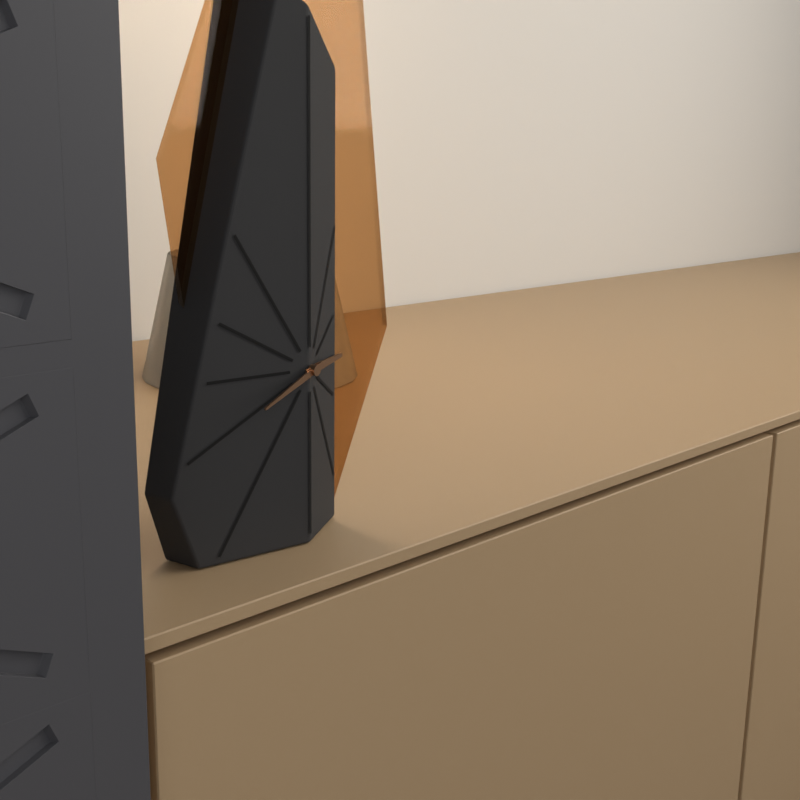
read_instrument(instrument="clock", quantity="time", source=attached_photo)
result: 2:42
